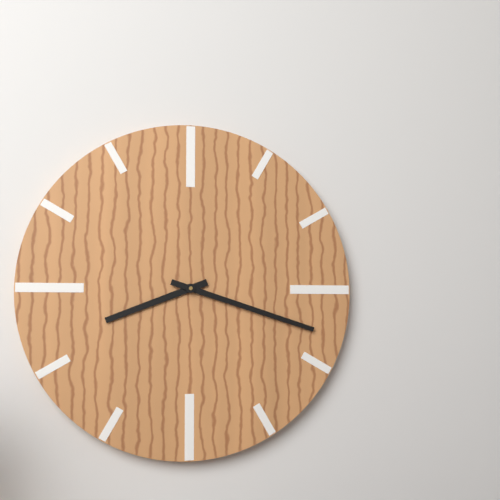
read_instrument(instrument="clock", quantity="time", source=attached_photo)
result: 8:18
